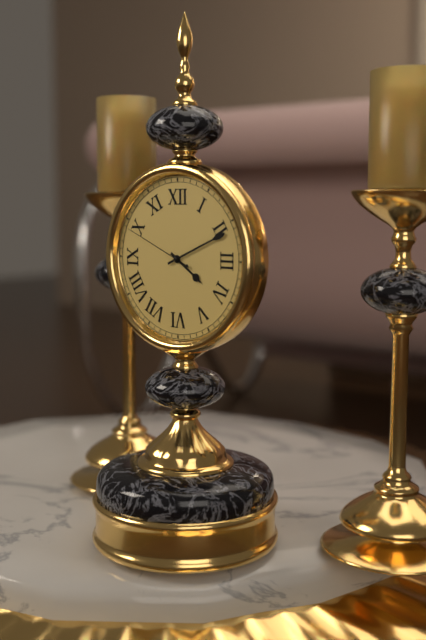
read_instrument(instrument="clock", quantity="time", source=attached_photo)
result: 4:11:49
